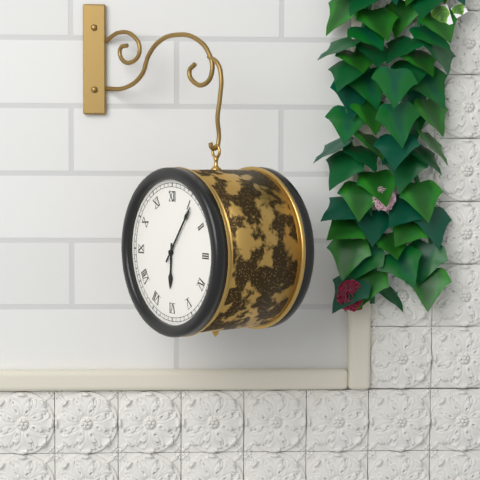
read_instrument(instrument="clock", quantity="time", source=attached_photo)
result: 6:06
